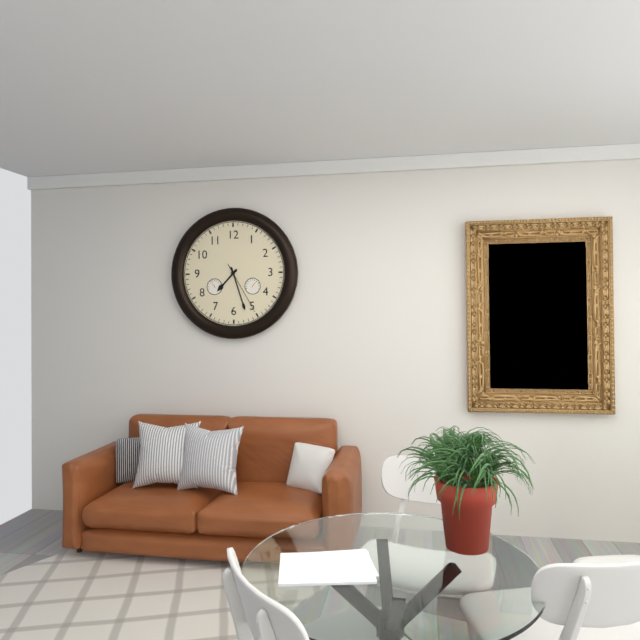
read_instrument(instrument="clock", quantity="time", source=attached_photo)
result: 7:27:25
